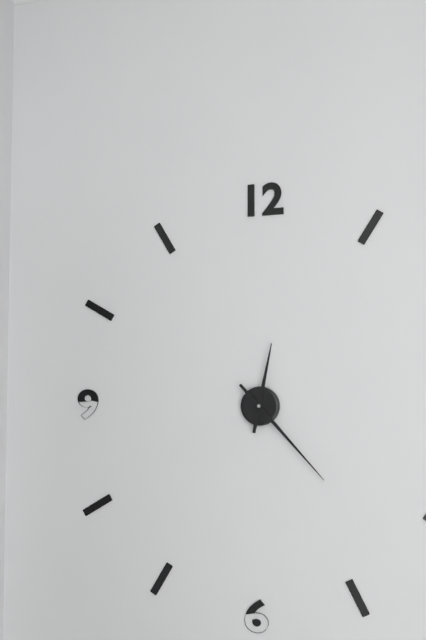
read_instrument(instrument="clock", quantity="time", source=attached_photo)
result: 12:23
